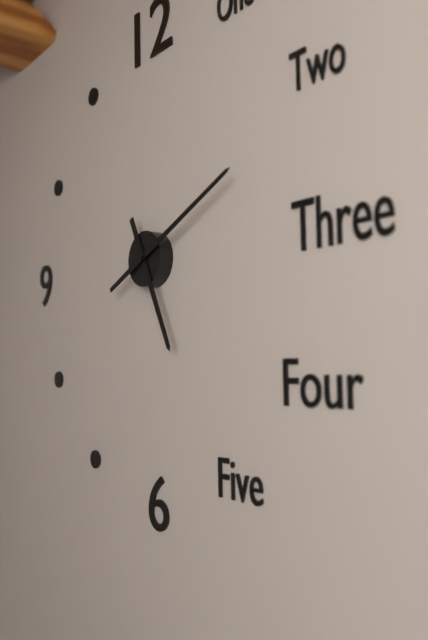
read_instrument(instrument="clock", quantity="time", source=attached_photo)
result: 5:11
